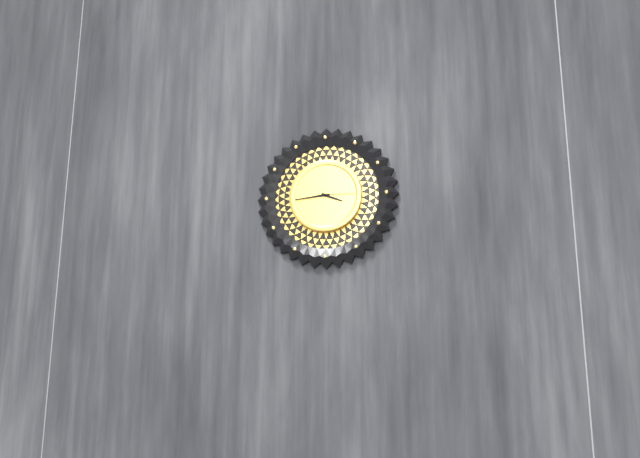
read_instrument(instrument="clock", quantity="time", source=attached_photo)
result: 3:44
